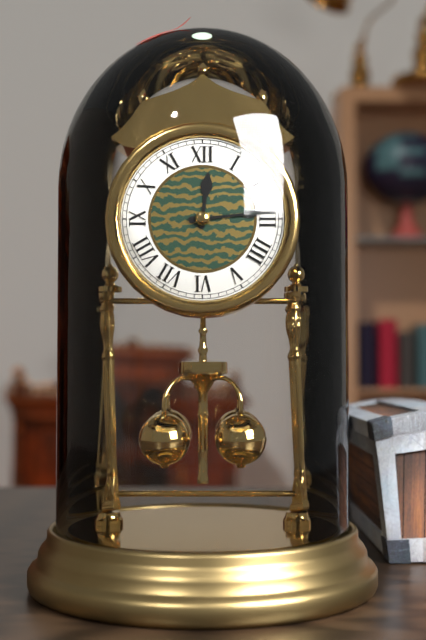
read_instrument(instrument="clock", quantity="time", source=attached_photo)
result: 12:14
